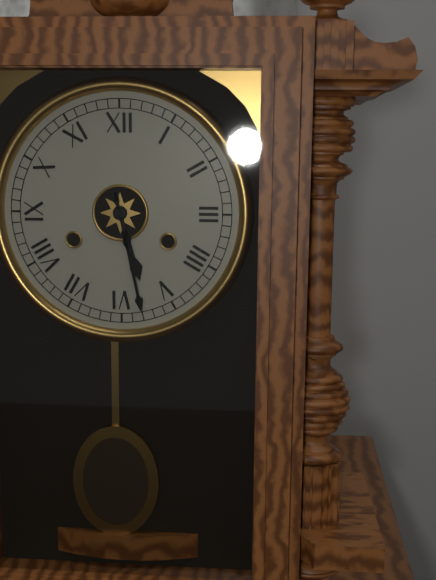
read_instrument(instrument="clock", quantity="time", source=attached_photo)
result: 5:28
